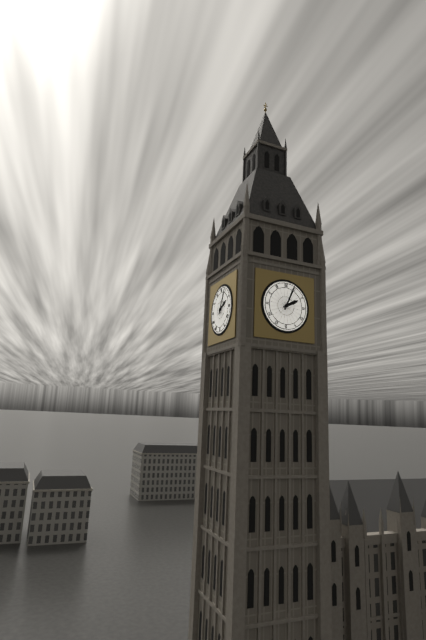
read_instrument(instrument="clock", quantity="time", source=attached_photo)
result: 2:04
